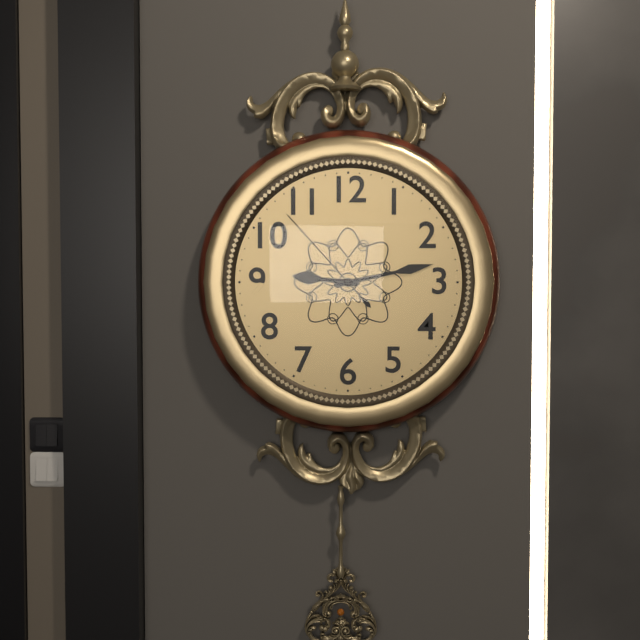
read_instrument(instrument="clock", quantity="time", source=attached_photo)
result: 9:13:53
